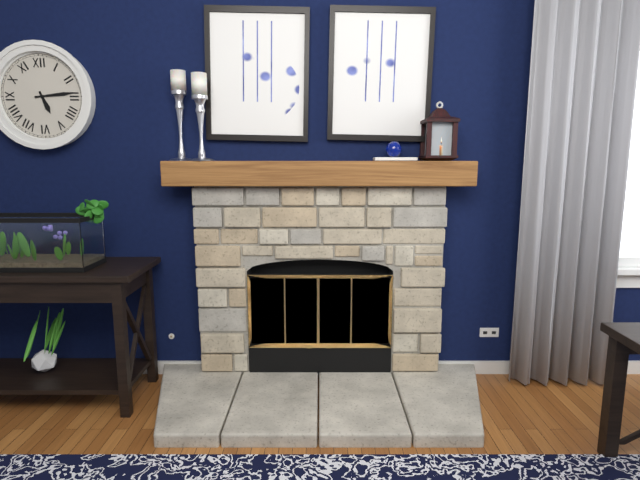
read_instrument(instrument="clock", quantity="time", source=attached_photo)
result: 5:14
